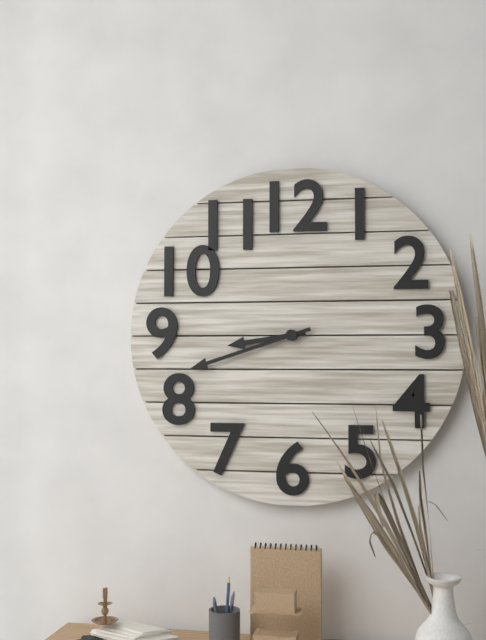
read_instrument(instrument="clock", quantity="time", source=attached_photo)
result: 8:42
